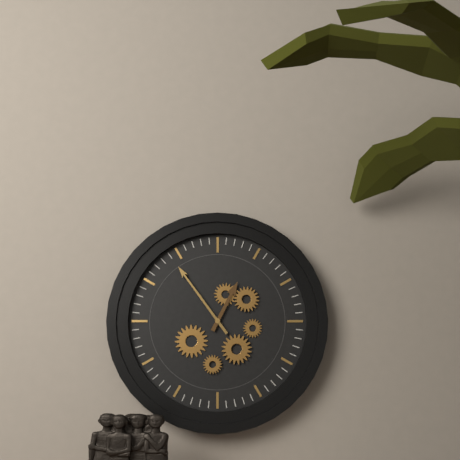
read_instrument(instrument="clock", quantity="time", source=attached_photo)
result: 12:54
